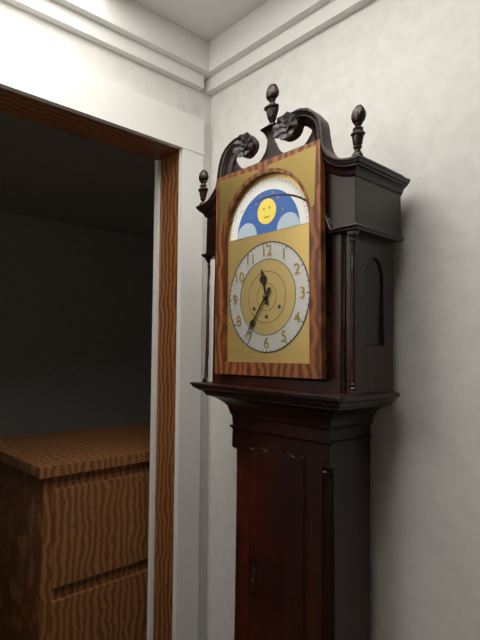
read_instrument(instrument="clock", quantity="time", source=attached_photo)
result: 11:36
